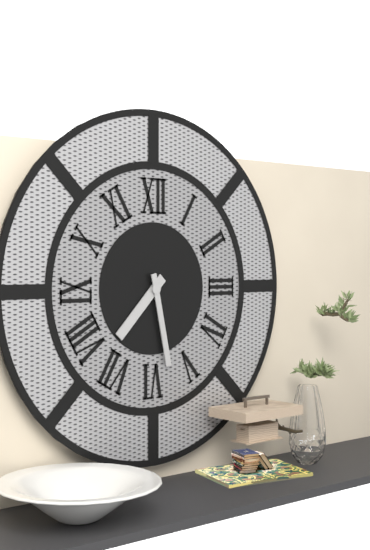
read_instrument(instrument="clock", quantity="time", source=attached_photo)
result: 7:28
